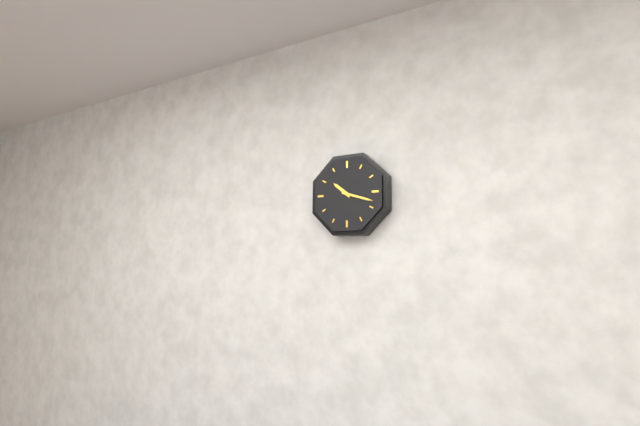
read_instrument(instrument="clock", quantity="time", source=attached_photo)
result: 10:18
